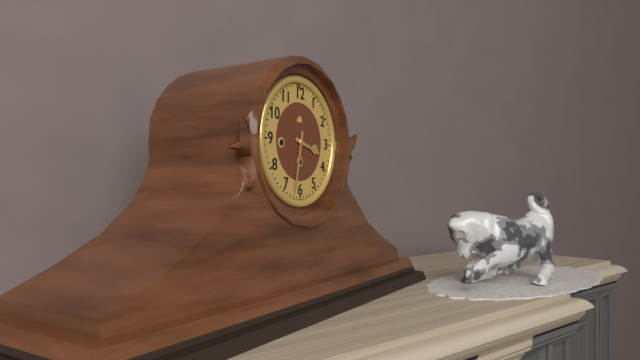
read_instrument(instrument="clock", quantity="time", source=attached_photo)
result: 3:32
